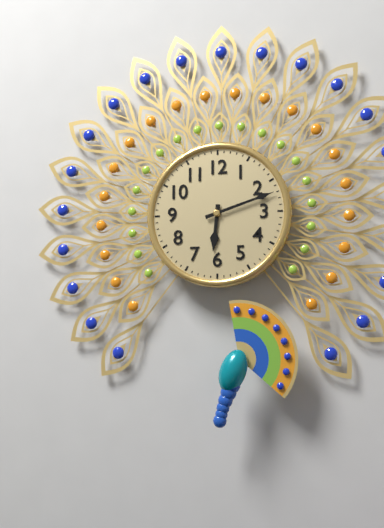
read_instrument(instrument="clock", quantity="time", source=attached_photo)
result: 6:12
